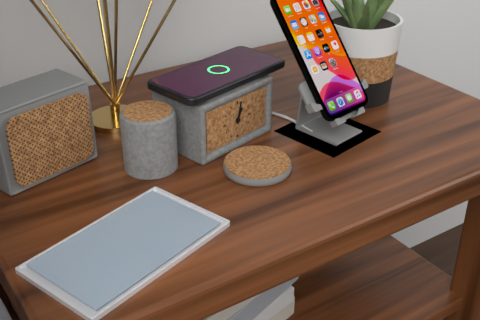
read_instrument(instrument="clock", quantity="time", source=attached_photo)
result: 1:02
